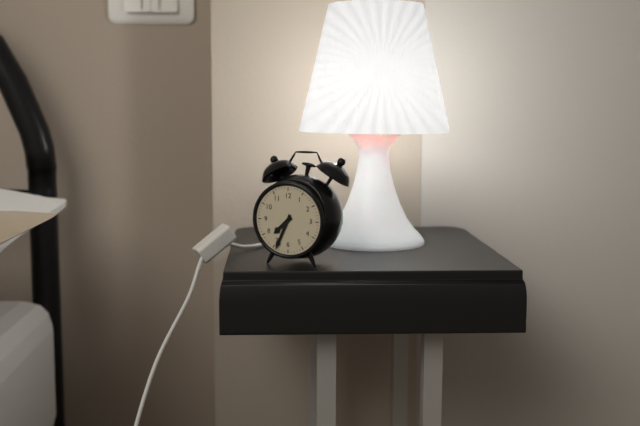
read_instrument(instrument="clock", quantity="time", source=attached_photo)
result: 7:34
